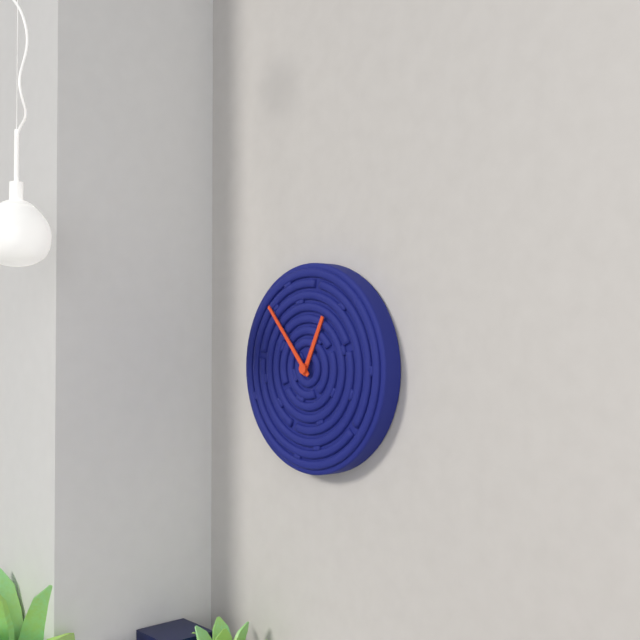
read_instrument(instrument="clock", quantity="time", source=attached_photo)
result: 12:53
